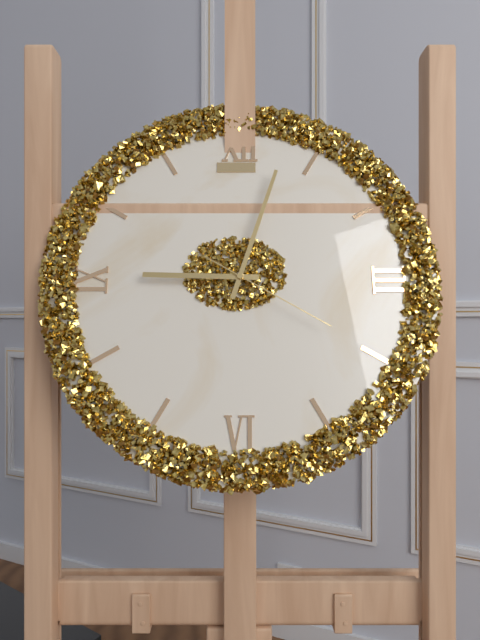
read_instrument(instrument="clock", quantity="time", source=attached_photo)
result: 9:03:20
